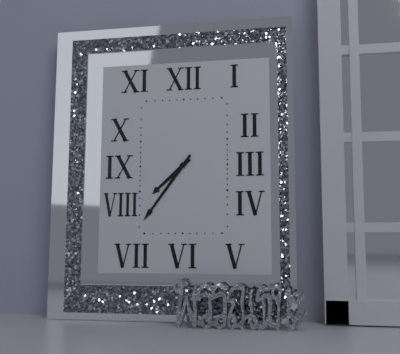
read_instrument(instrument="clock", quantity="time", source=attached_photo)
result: 7:36
